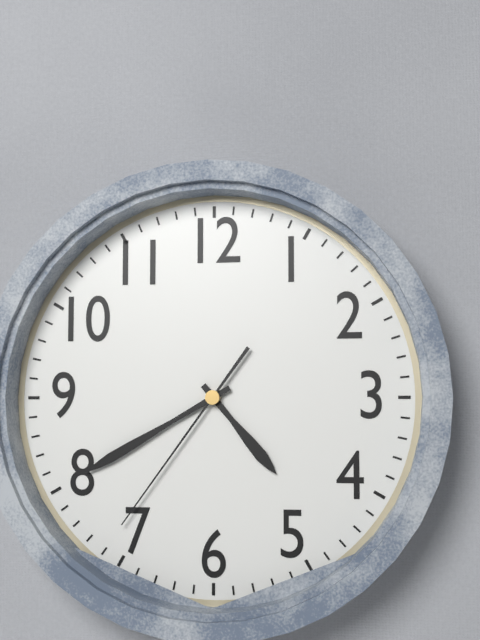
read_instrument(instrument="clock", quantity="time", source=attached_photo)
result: 4:40:36
